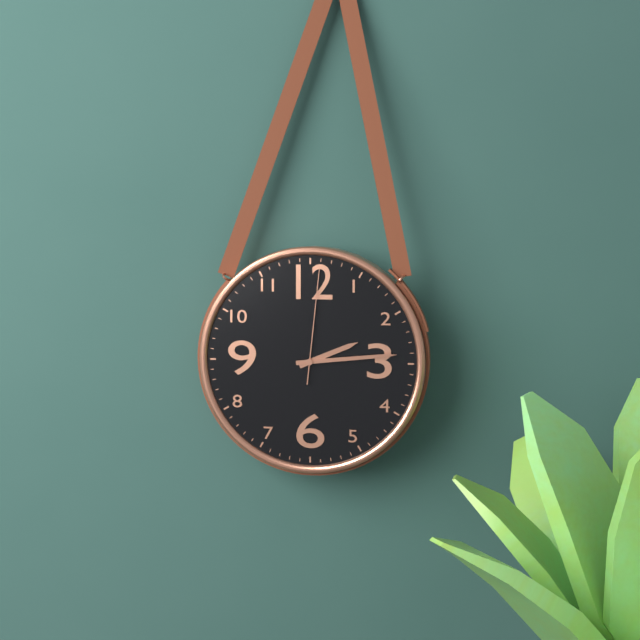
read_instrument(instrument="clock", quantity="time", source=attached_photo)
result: 2:14:01
